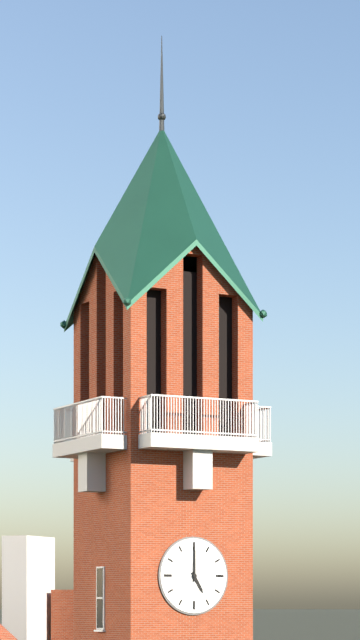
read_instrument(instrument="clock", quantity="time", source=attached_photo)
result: 5:00
